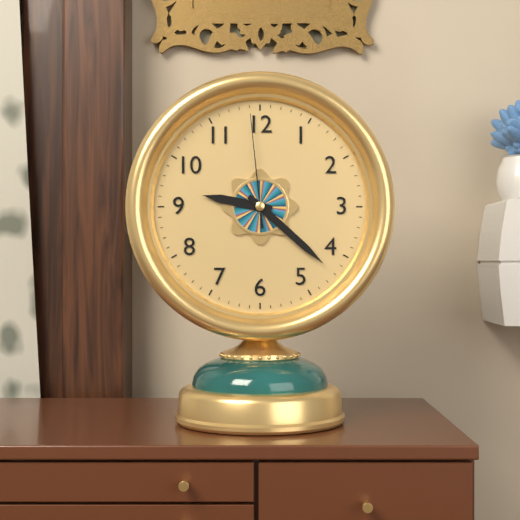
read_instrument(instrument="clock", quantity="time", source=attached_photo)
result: 9:22:59
